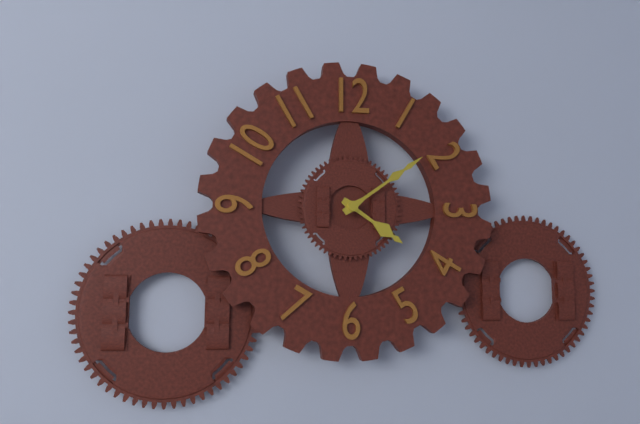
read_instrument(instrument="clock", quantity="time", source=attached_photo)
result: 4:09
